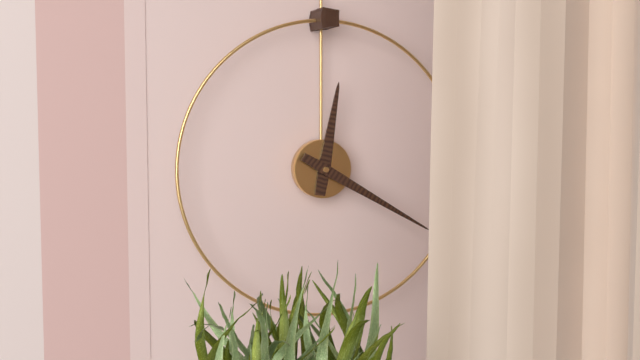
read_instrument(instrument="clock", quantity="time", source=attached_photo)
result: 12:20
